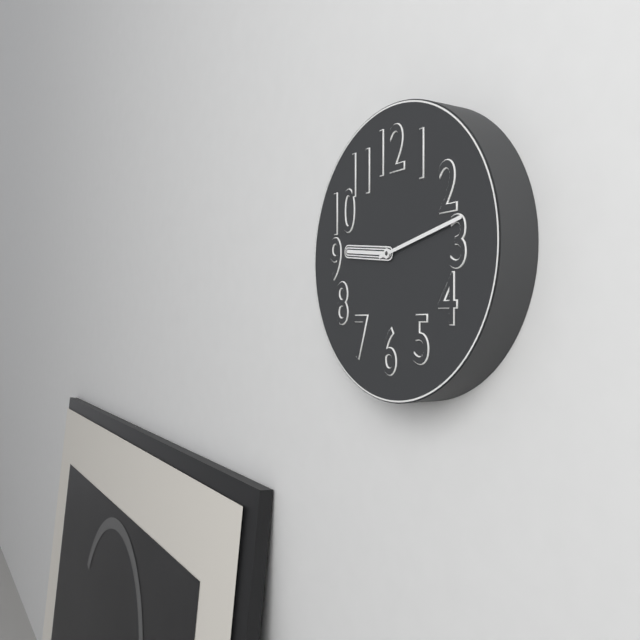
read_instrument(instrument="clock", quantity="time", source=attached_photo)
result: 9:13
